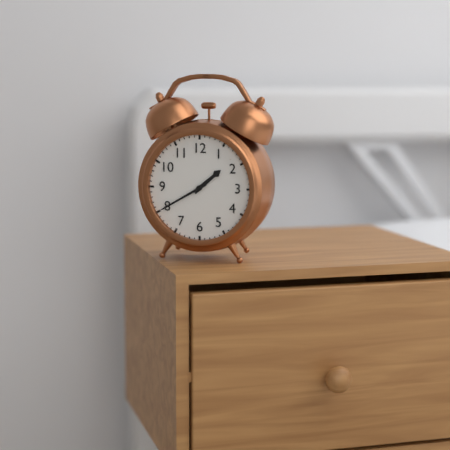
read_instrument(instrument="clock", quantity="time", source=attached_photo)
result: 1:40
